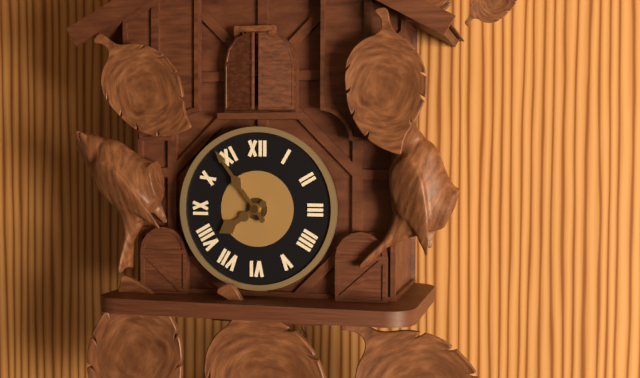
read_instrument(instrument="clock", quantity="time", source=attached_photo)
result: 7:54
